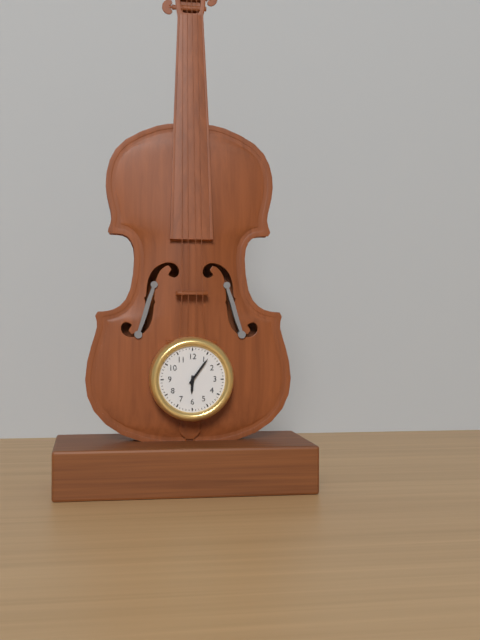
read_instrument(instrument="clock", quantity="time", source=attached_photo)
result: 6:06
